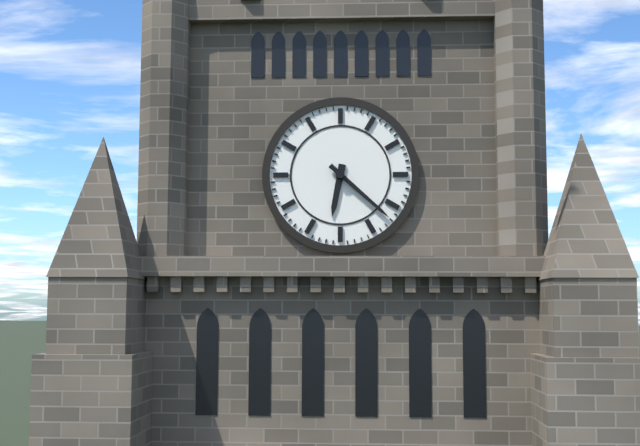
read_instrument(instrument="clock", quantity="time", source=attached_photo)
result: 6:22
